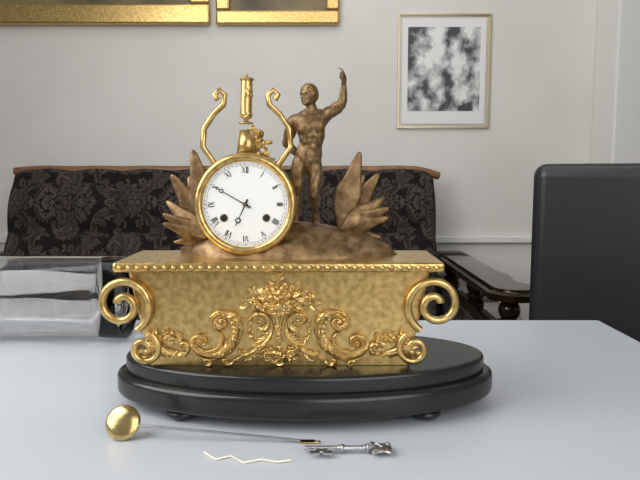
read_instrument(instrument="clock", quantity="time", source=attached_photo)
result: 6:50
